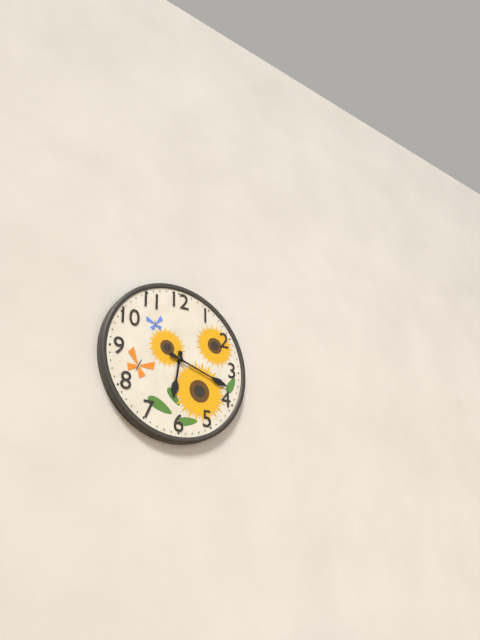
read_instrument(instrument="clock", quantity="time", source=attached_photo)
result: 6:18
